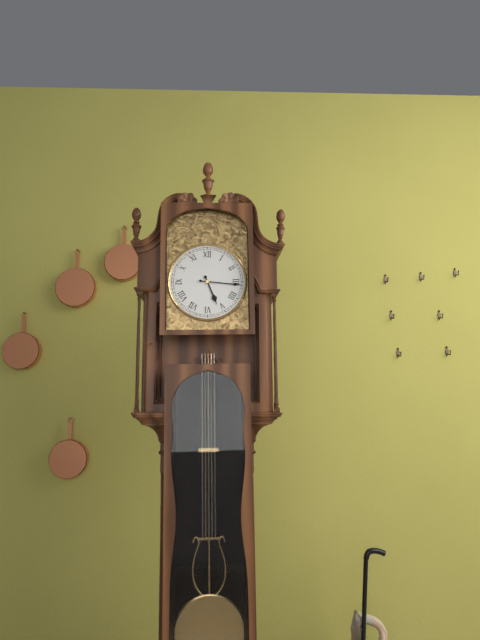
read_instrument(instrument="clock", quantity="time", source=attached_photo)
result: 5:16
